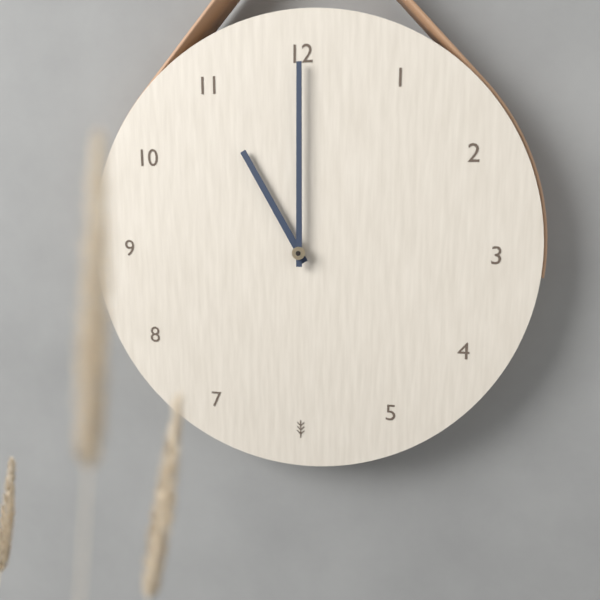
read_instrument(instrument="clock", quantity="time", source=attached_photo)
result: 11:00
